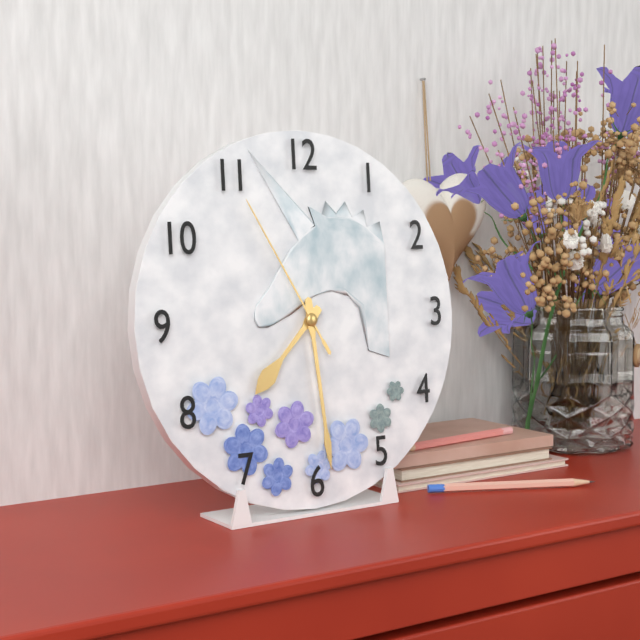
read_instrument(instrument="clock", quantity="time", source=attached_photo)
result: 7:29:55
